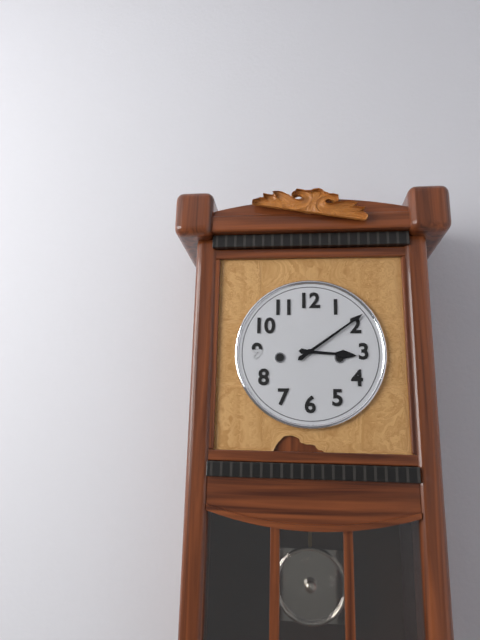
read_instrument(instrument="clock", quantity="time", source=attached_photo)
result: 3:09
